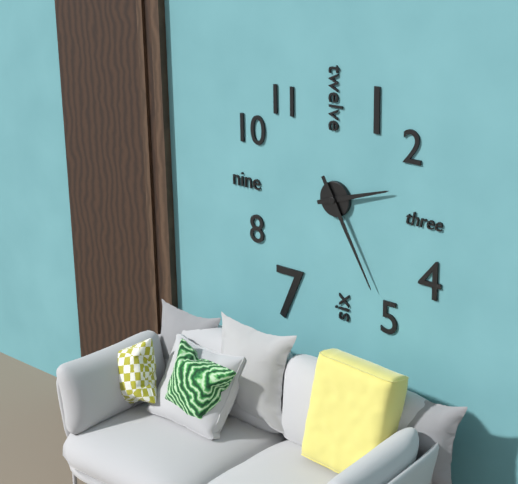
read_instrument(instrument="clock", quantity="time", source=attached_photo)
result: 2:25
